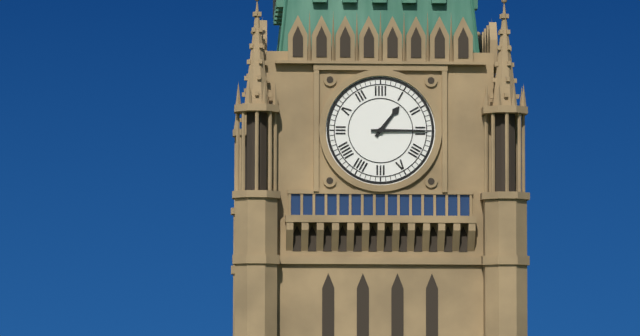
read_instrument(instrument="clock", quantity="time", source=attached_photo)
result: 1:15
